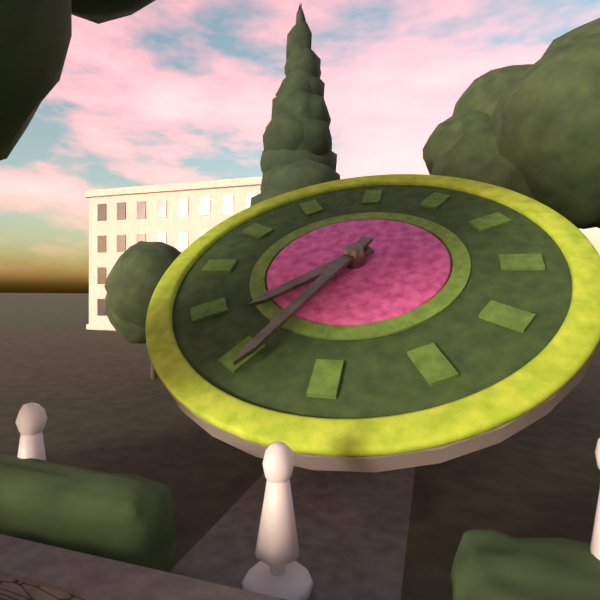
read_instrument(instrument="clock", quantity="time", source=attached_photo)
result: 7:34
